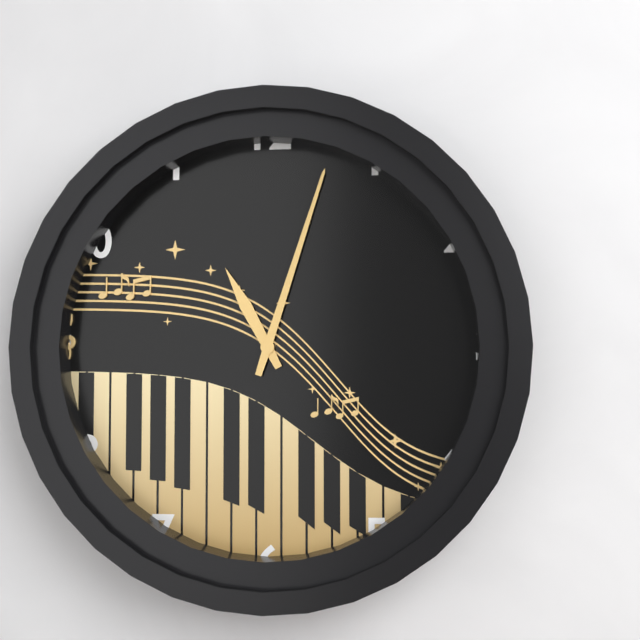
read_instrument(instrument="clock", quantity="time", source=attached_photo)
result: 11:03
